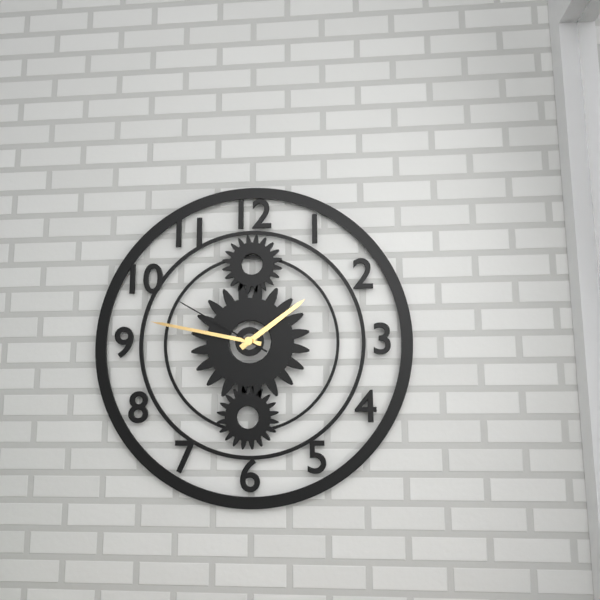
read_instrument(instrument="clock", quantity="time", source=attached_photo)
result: 1:47:50
